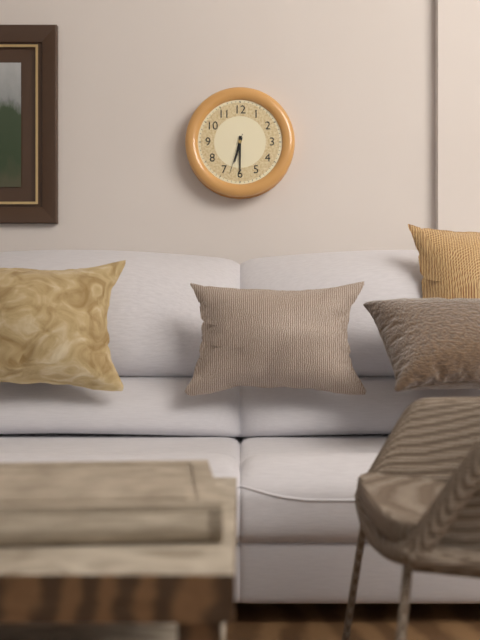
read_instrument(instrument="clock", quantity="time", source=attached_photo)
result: 6:30
